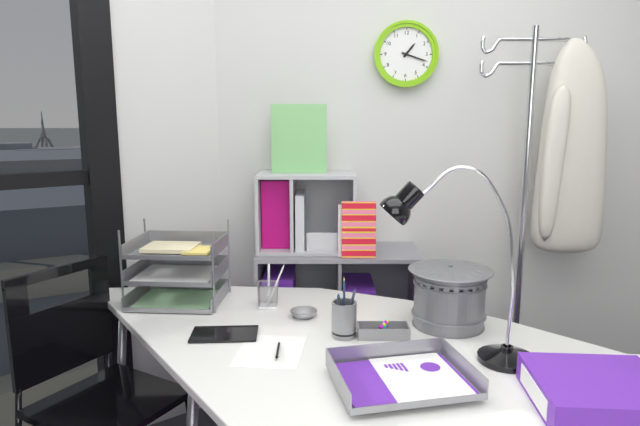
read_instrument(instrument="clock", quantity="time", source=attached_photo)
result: 1:18
